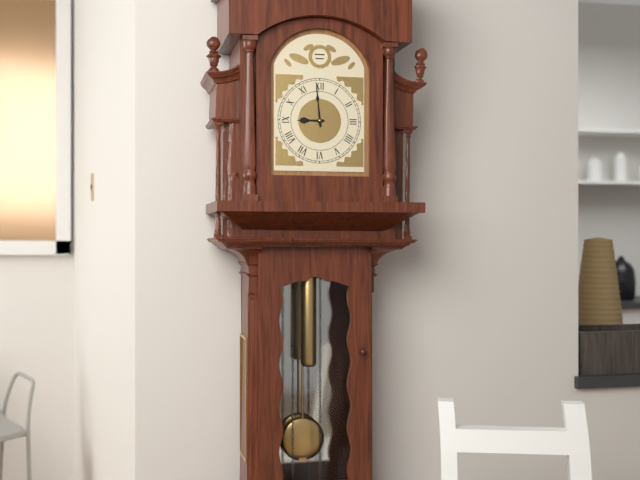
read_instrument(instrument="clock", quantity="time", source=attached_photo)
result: 8:59
